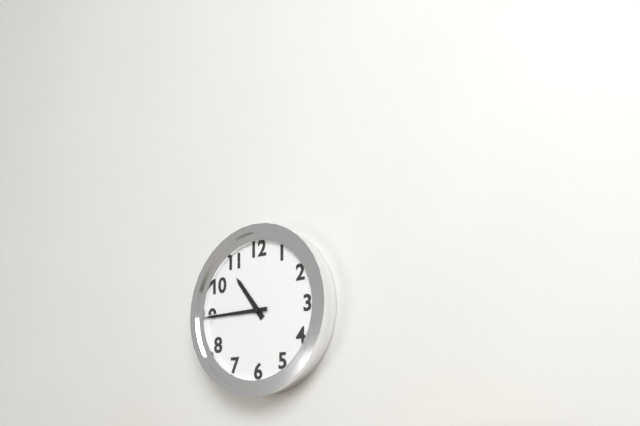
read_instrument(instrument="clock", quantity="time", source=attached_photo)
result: 10:45
